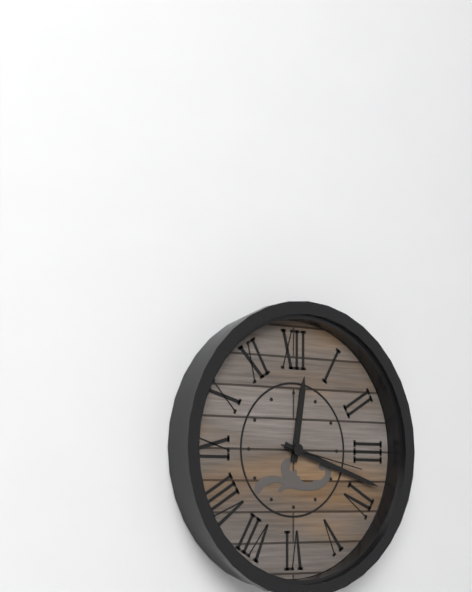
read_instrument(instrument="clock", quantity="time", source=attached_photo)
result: 12:18:17
